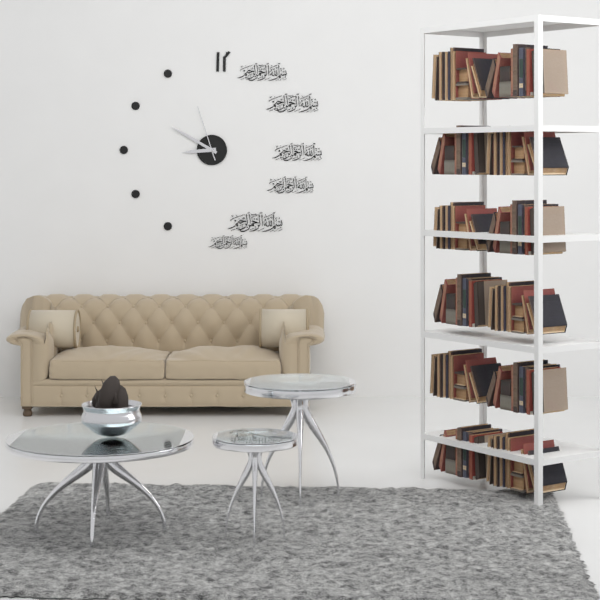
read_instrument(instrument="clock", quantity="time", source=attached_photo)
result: 8:50:57
